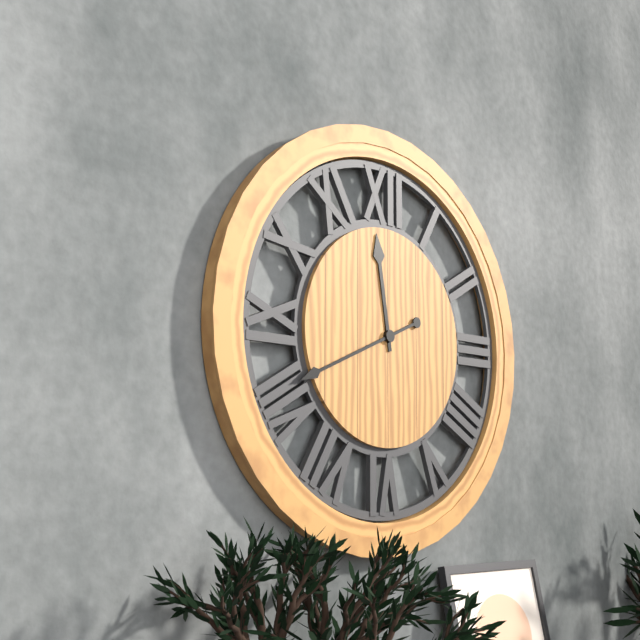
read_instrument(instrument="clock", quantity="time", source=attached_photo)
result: 11:41
